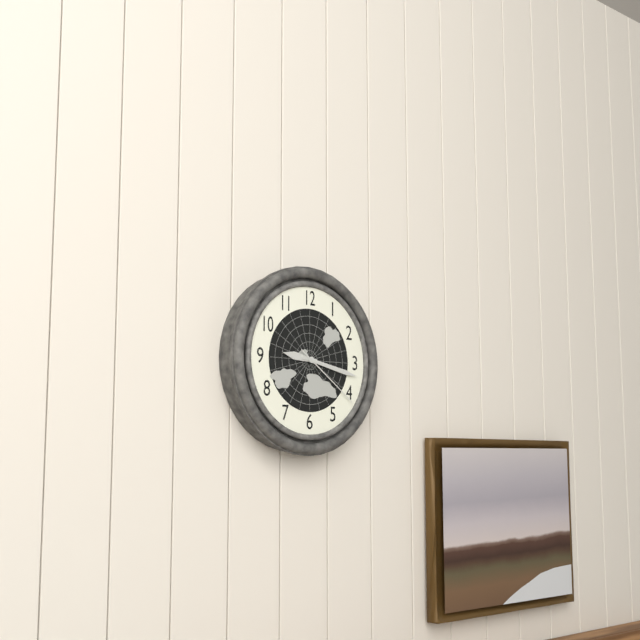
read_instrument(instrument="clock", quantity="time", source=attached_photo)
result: 9:17:21
